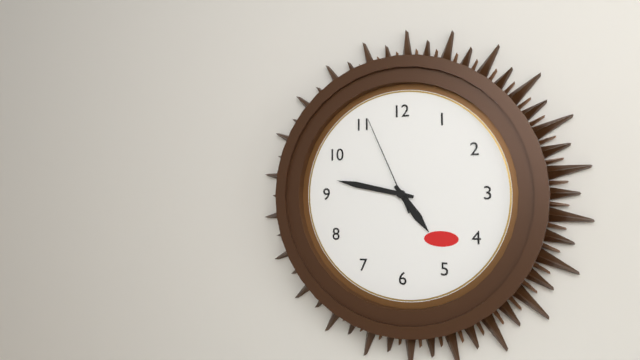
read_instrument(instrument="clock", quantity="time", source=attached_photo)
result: 4:47:56
